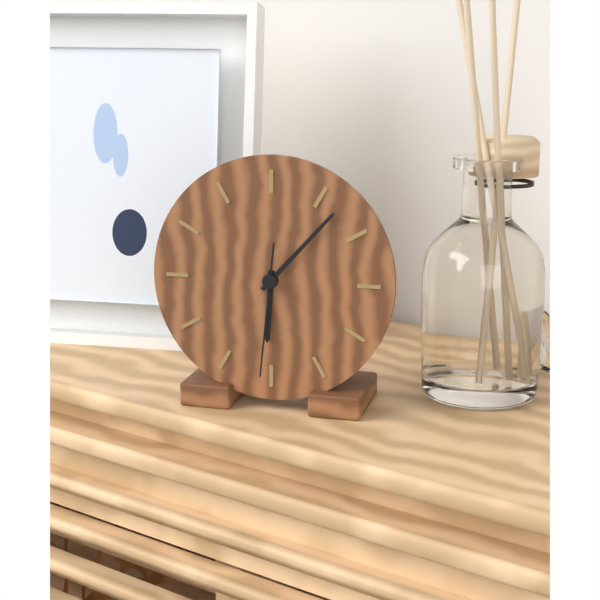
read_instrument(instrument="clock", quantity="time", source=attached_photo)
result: 6:07:31
